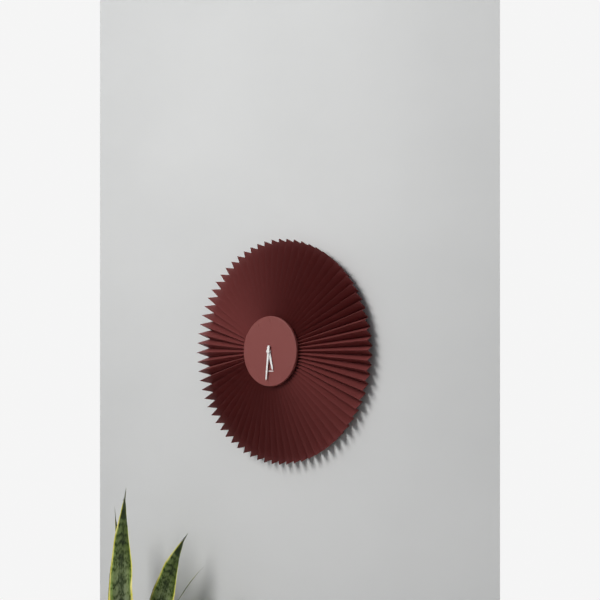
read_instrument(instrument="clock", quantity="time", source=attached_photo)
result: 5:31
